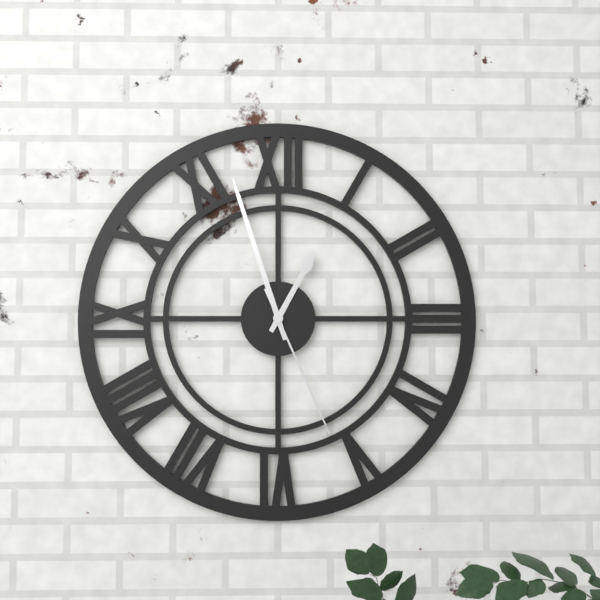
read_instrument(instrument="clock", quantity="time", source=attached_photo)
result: 12:57:26
